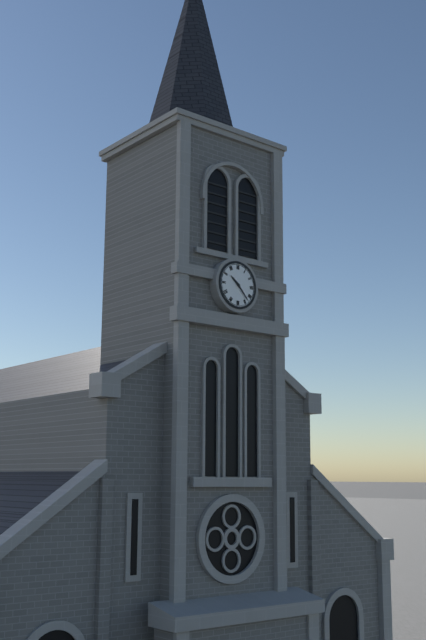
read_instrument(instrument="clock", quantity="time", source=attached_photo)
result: 10:23
